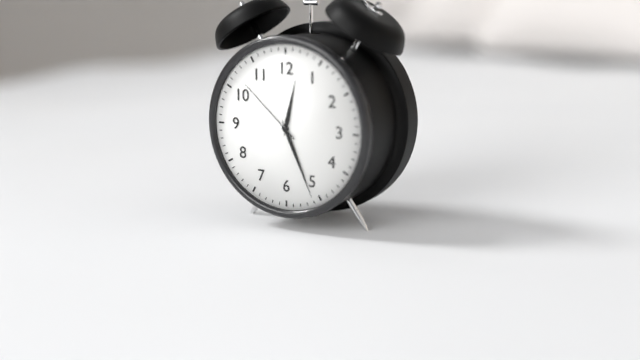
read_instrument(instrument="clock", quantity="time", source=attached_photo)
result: 12:26:52
